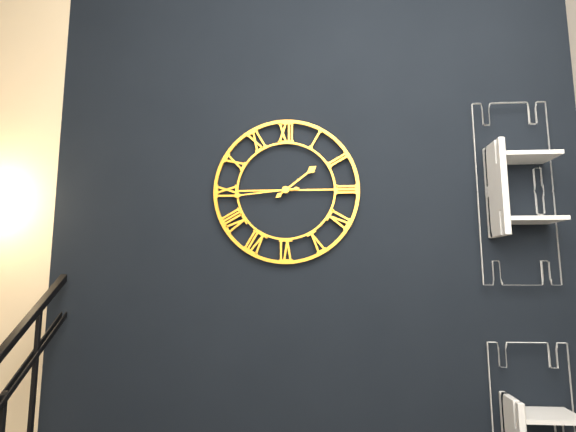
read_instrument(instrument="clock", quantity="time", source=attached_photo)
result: 1:44
